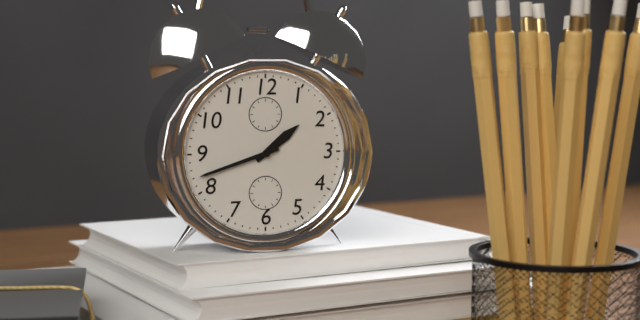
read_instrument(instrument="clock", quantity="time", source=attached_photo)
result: 1:42
